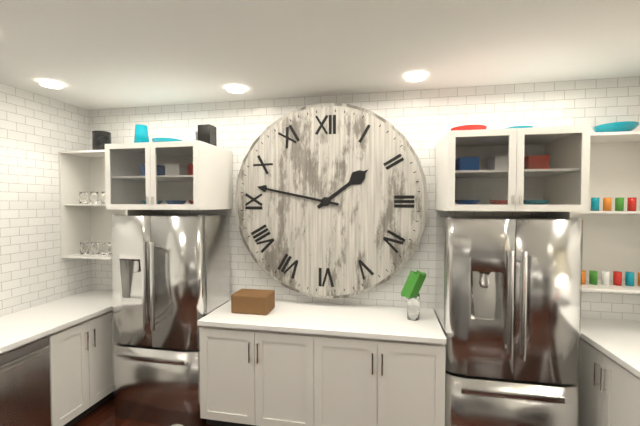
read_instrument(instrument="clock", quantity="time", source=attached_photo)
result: 1:47
